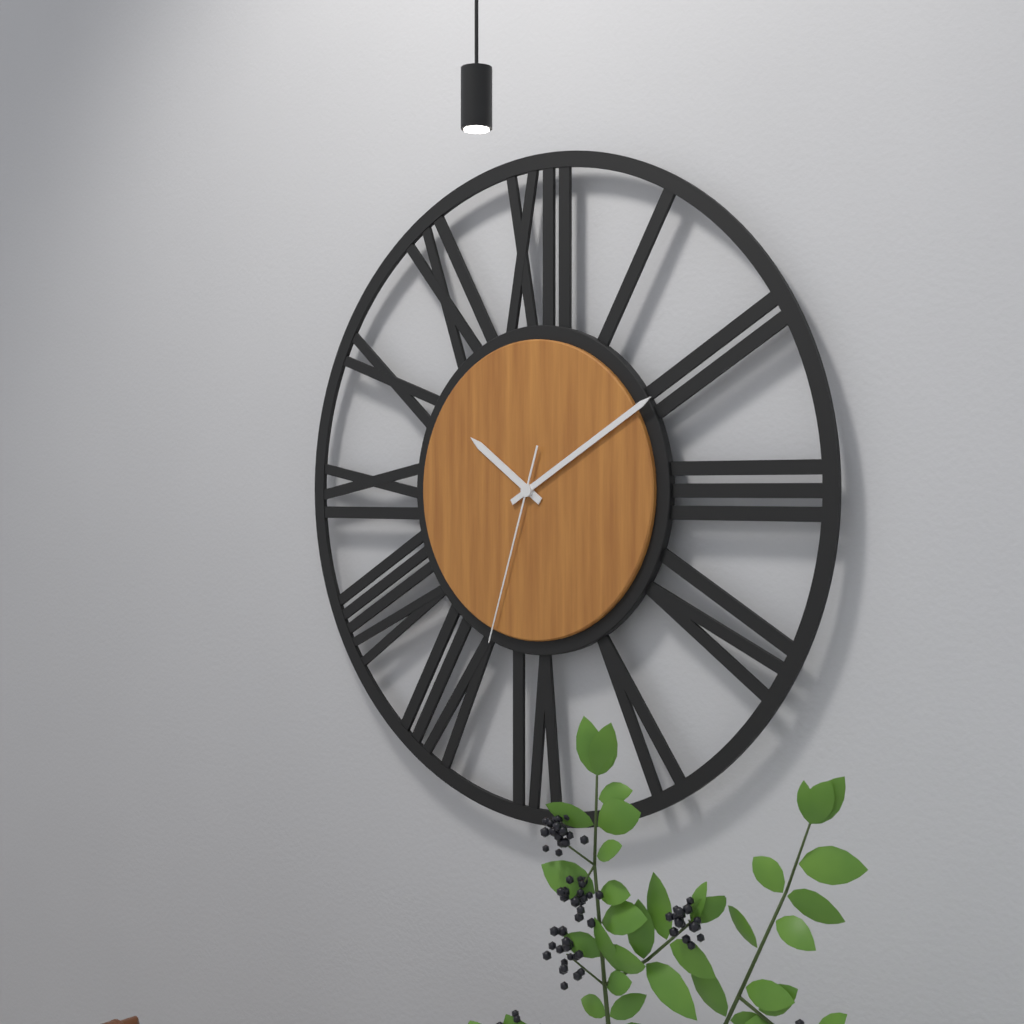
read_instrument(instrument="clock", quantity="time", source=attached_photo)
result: 10:10:33
